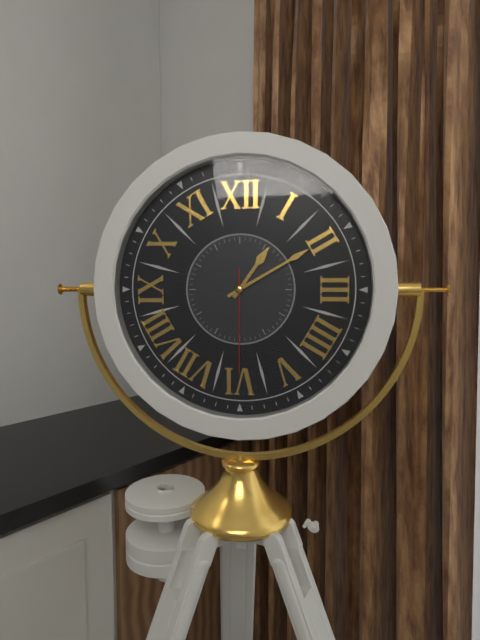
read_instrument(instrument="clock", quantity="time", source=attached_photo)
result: 1:10:30
